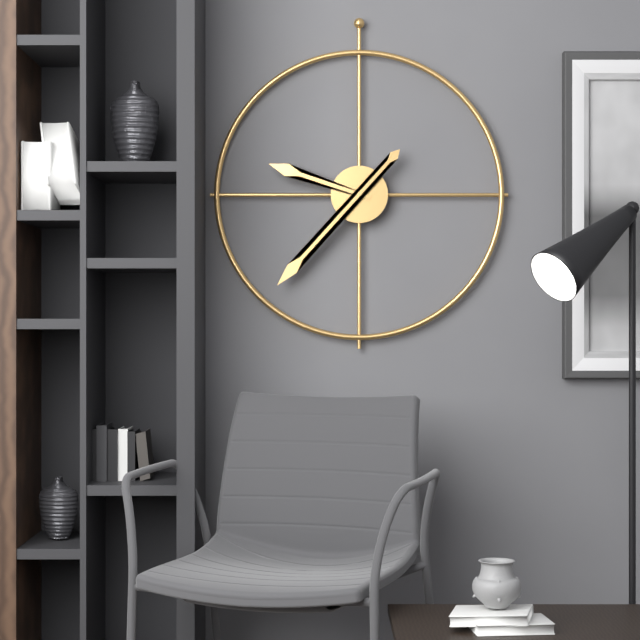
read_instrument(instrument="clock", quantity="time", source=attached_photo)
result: 9:37
